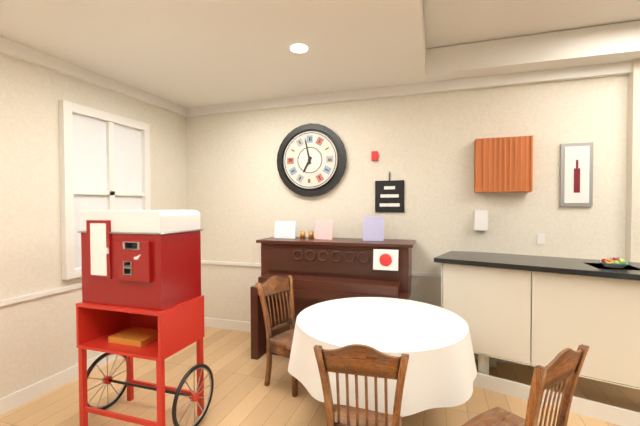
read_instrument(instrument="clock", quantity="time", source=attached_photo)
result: 6:58
